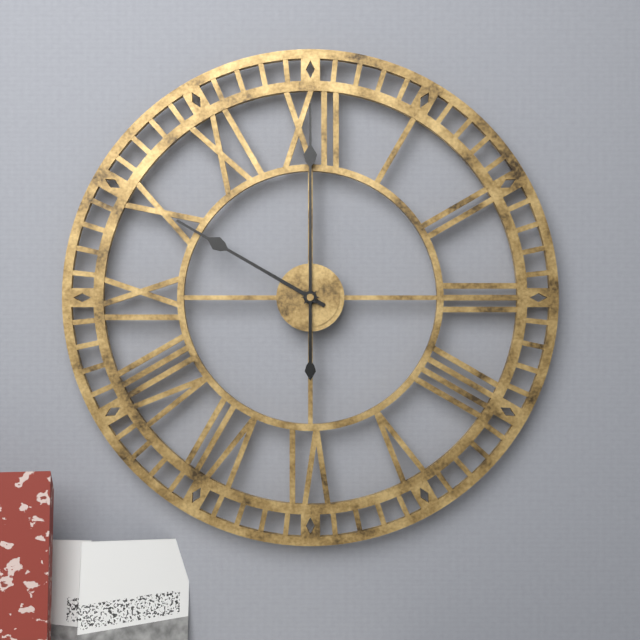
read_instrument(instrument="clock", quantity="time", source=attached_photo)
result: 10:00
